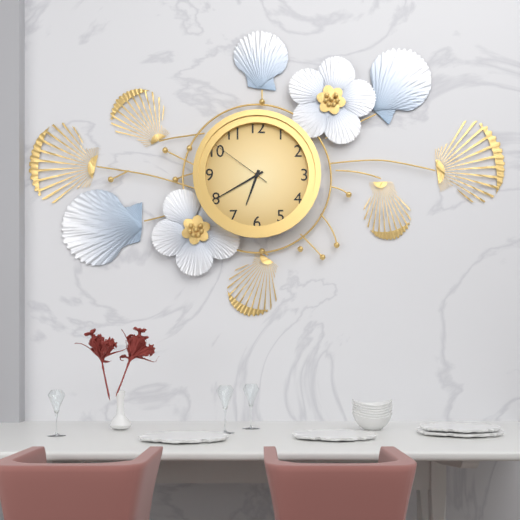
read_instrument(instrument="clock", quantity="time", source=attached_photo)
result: 6:40:51
